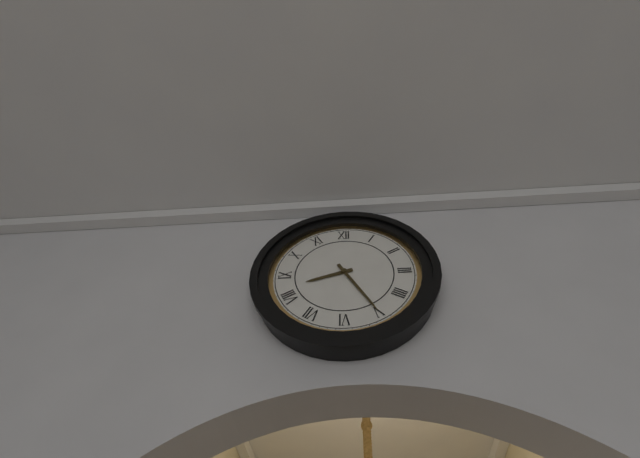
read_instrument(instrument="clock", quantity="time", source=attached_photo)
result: 8:25
